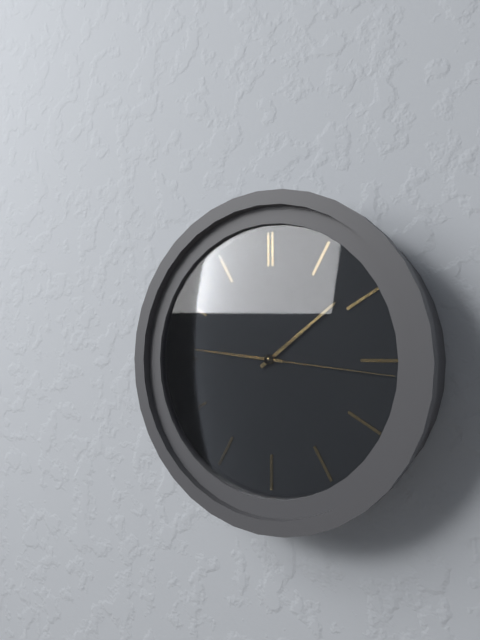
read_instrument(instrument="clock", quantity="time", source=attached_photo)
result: 1:46:16
